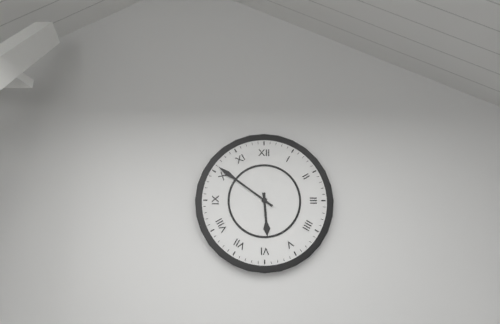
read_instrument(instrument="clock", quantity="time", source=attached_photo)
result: 5:51
